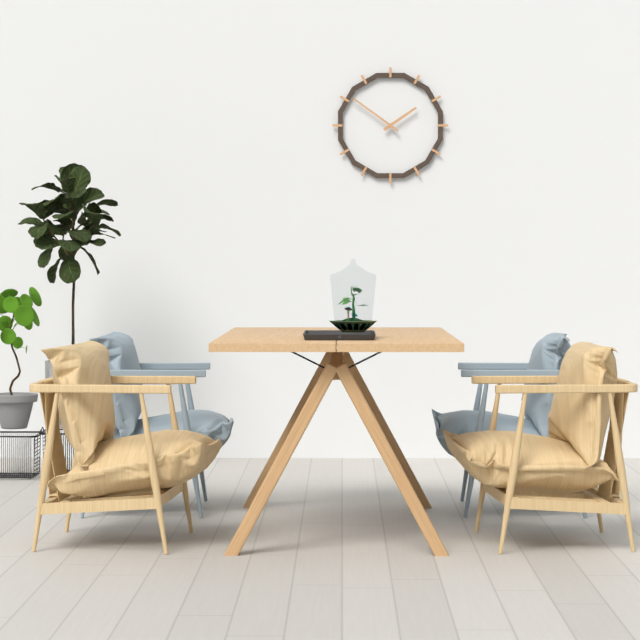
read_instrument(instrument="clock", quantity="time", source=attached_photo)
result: 1:51
